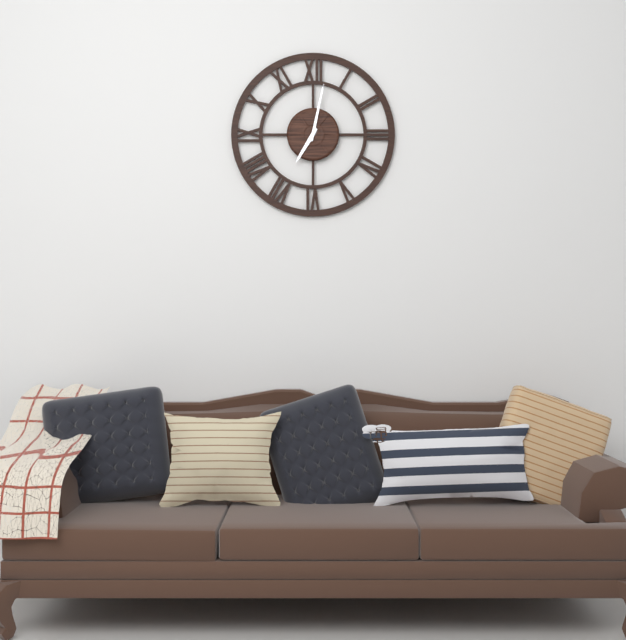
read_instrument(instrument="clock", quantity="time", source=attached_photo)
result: 7:02
